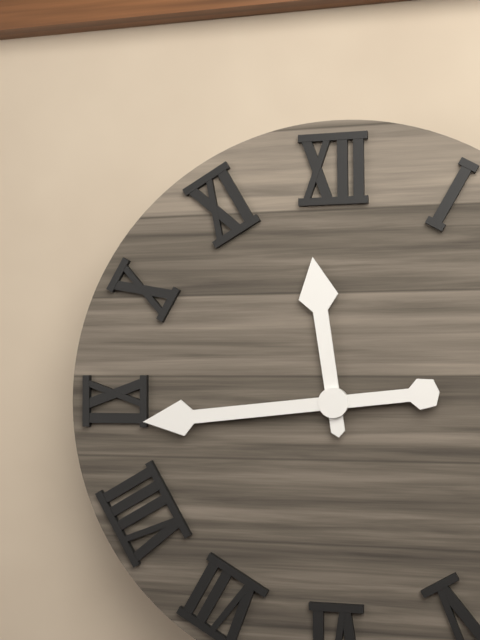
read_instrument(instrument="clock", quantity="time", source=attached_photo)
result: 11:44
